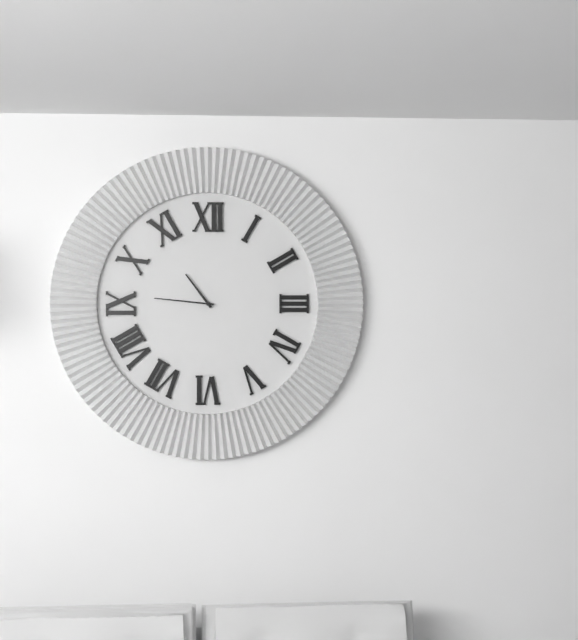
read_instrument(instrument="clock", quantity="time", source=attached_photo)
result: 10:46
